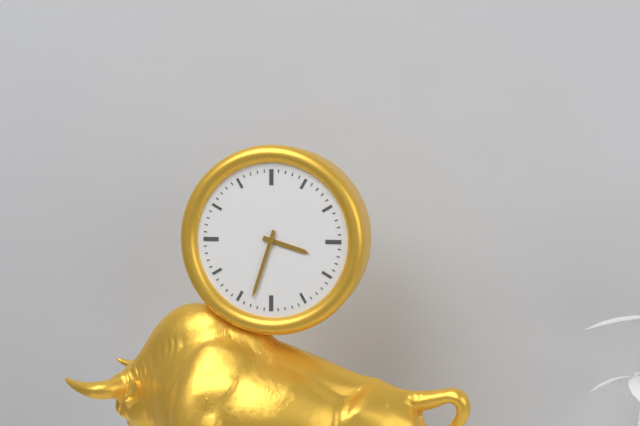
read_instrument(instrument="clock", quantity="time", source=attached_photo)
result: 3:33
